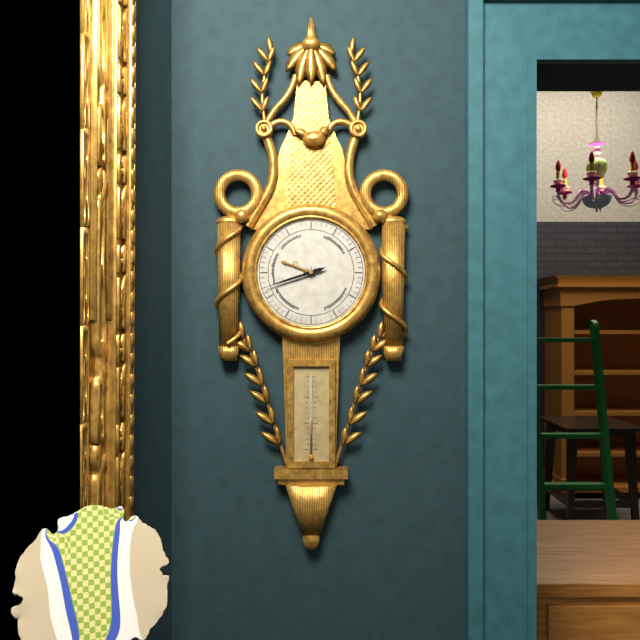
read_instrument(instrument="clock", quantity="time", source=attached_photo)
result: 9:42
